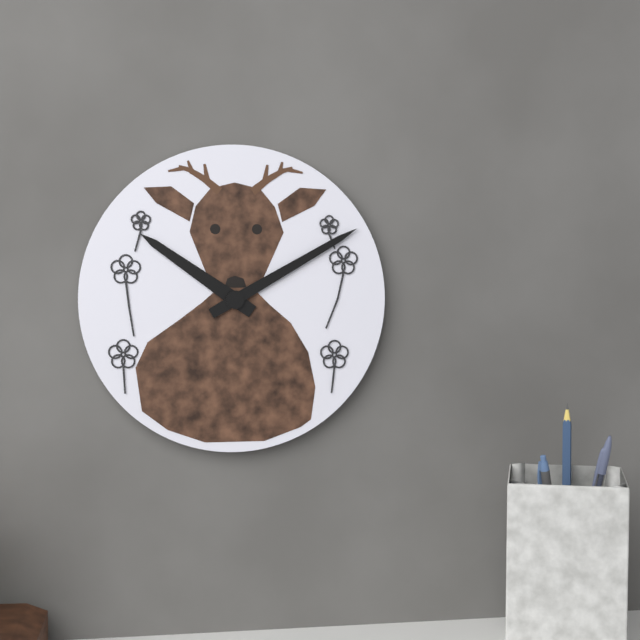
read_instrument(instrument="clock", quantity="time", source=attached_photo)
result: 10:10
